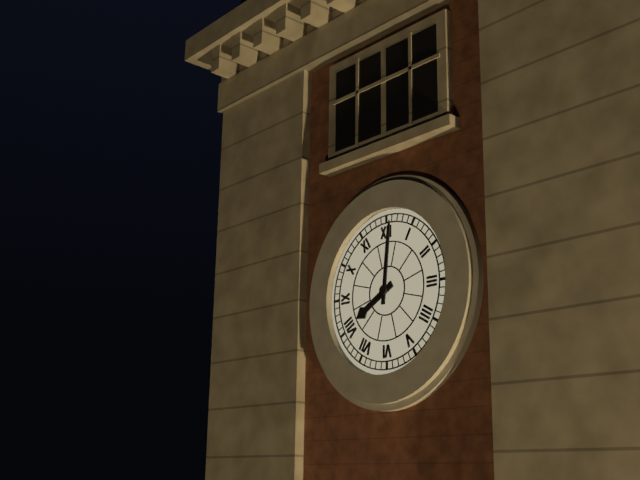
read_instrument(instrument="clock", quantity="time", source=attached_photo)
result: 8:01
